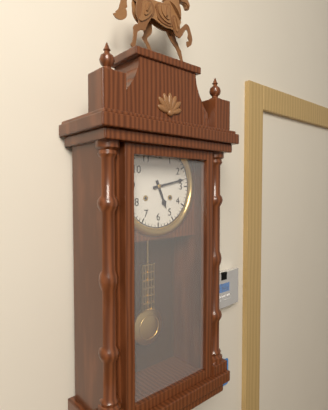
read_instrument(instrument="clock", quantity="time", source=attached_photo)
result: 5:13
